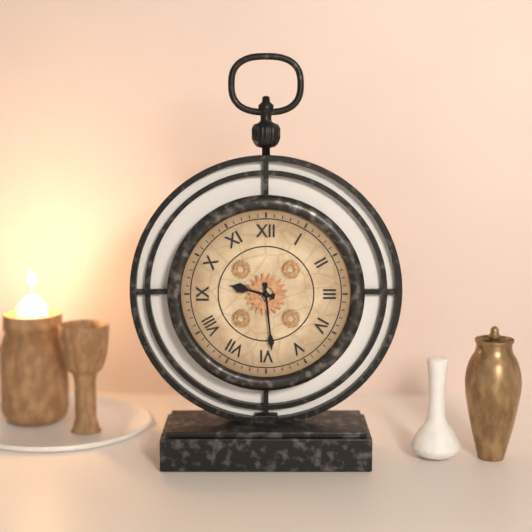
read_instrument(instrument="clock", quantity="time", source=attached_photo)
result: 9:29
